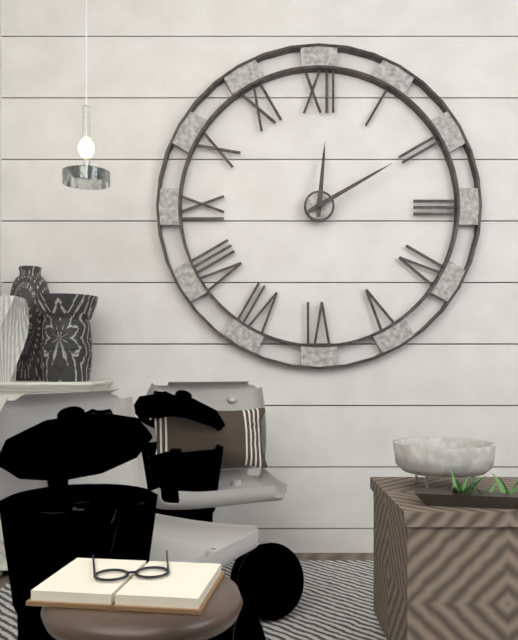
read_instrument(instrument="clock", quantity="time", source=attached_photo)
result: 12:10
